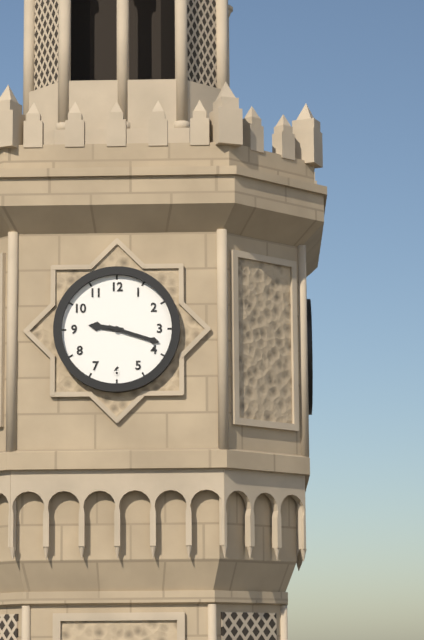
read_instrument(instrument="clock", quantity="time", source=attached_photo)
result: 9:18
